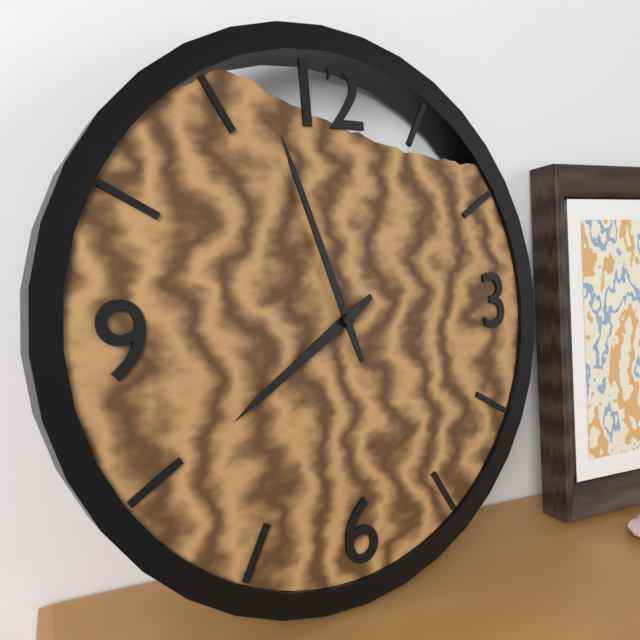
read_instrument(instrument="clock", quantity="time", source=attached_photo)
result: 7:57
